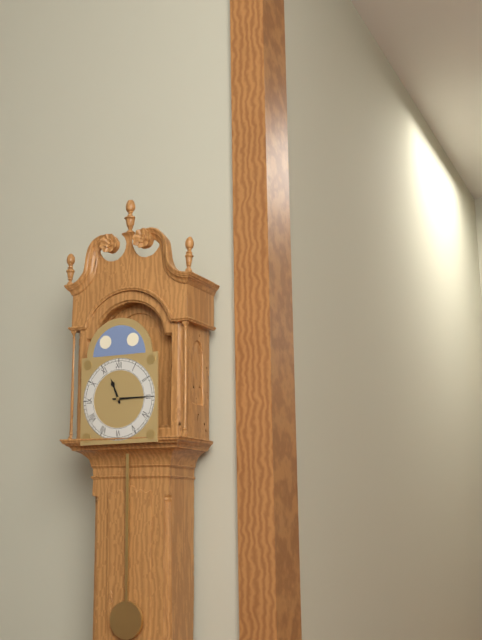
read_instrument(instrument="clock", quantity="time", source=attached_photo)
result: 11:15
